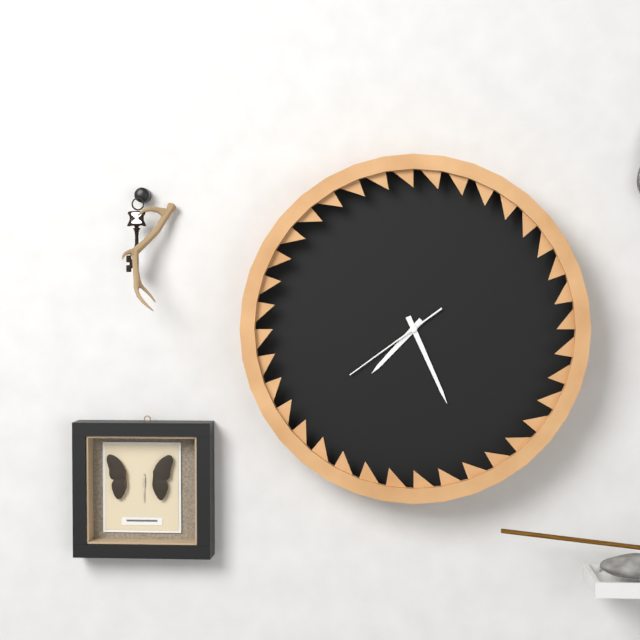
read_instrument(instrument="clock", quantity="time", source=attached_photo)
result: 7:26:39
